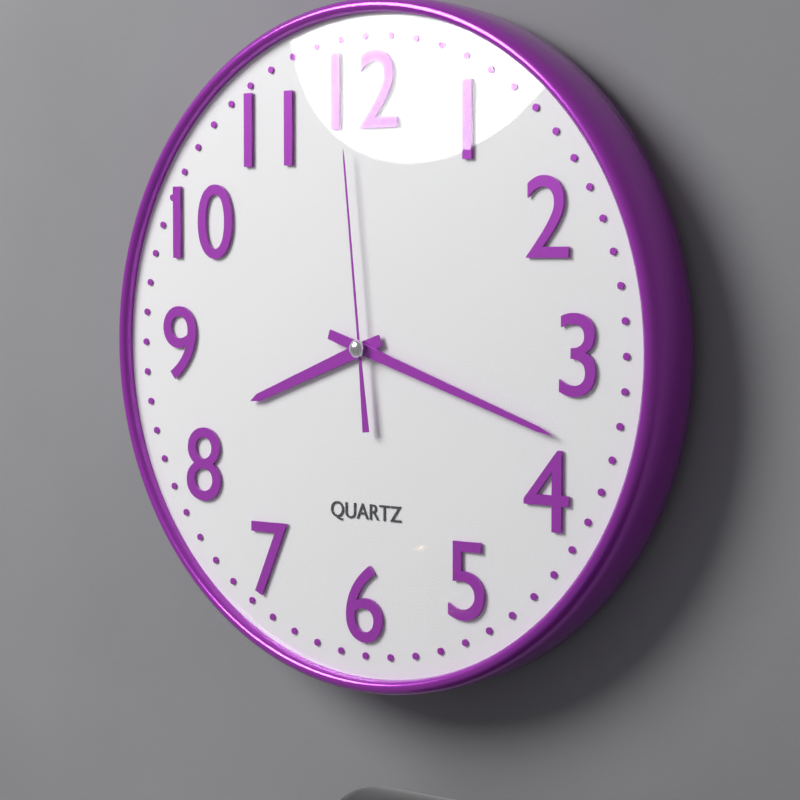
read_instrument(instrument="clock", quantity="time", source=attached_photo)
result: 8:18:59
